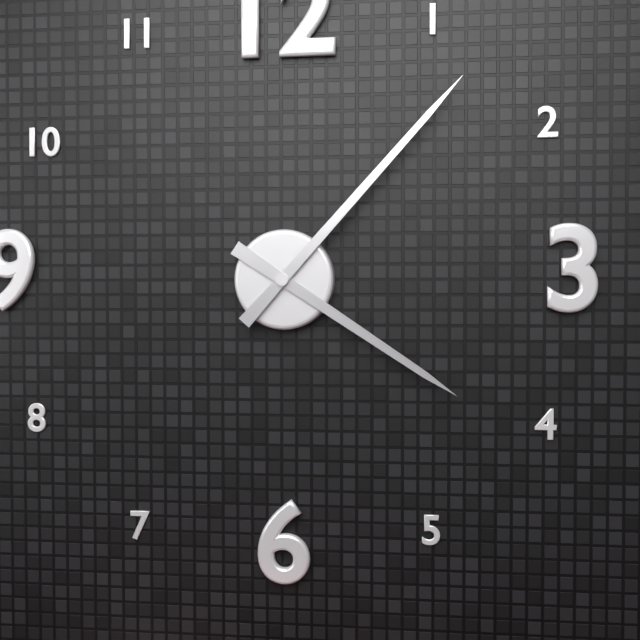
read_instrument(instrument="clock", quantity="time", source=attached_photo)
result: 4:07
